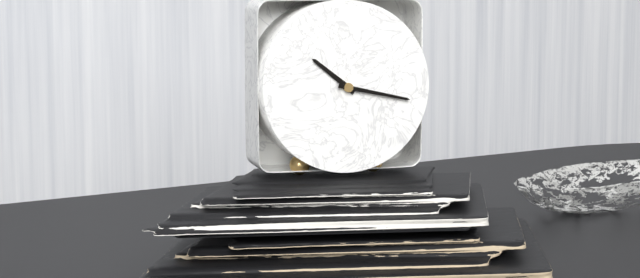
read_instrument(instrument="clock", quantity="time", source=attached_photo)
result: 10:17
